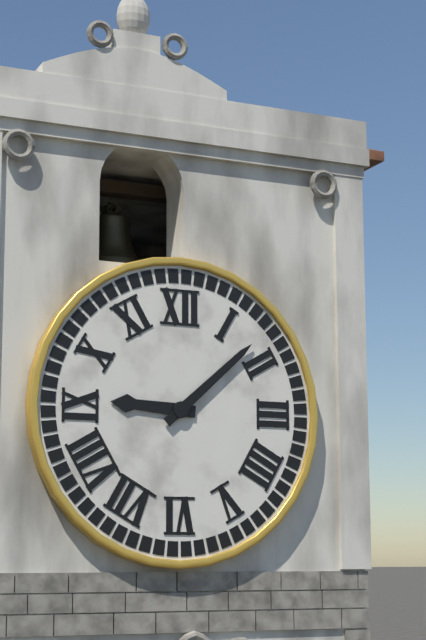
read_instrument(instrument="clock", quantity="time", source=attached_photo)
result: 9:08
